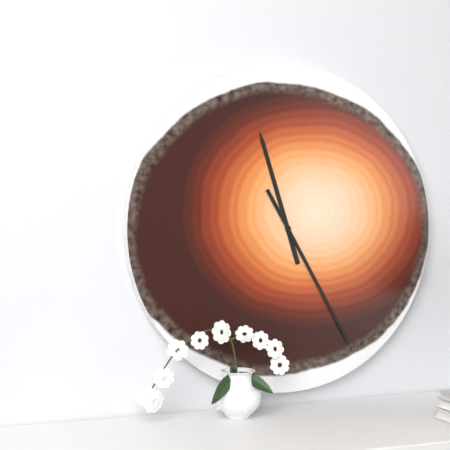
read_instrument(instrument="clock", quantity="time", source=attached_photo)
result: 11:25
